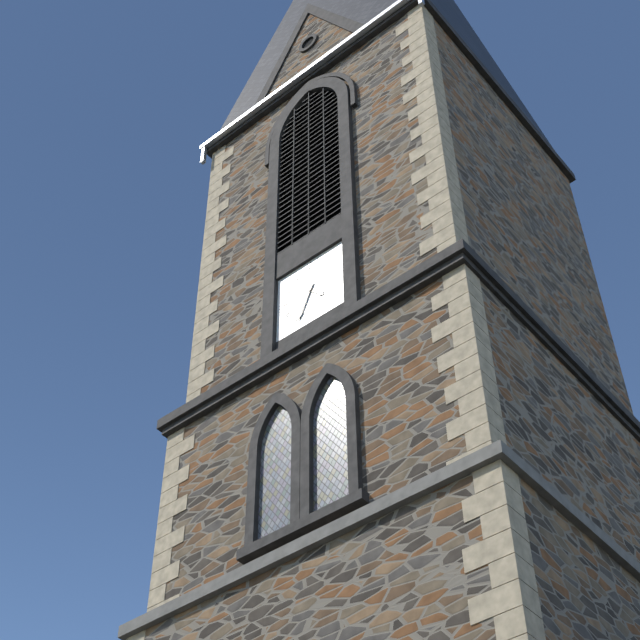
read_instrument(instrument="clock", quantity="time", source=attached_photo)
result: 4:34
